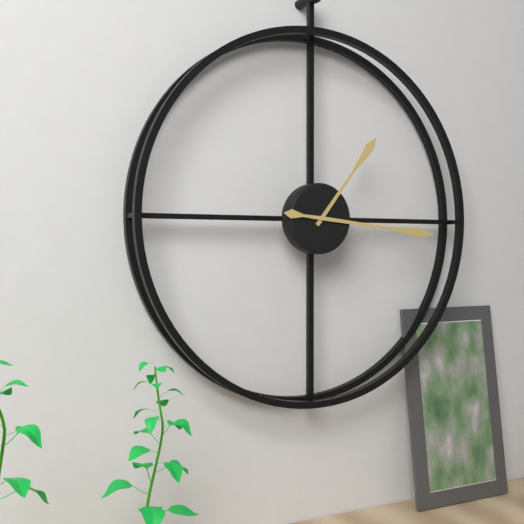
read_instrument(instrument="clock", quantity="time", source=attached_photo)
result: 1:16
